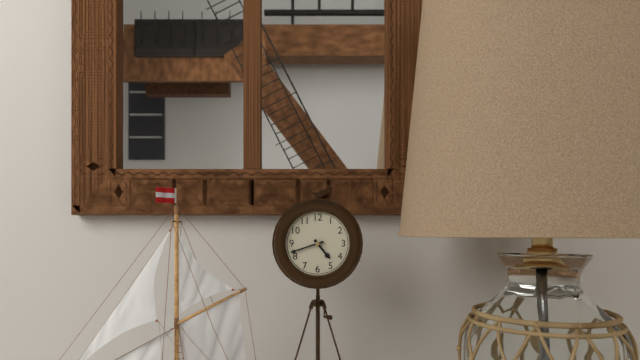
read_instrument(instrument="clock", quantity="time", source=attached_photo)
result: 4:42
